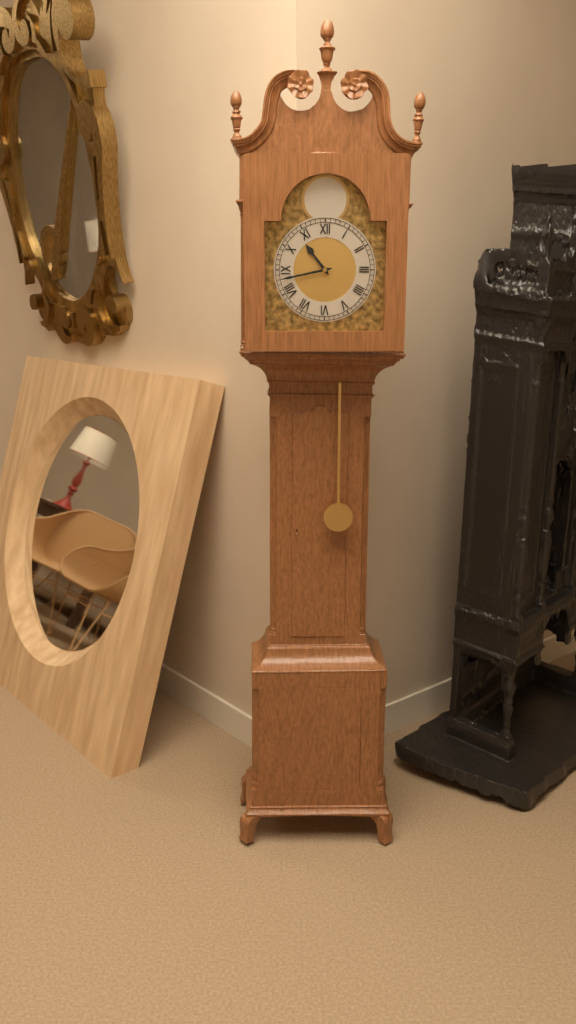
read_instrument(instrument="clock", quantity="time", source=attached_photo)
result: 10:43
